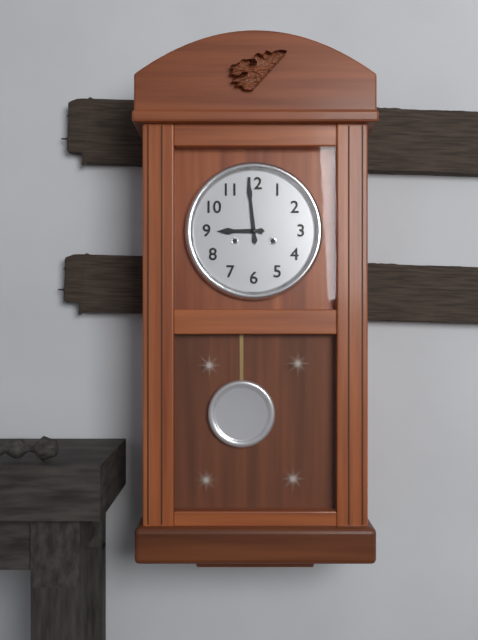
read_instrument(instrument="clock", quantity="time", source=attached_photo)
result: 8:59
